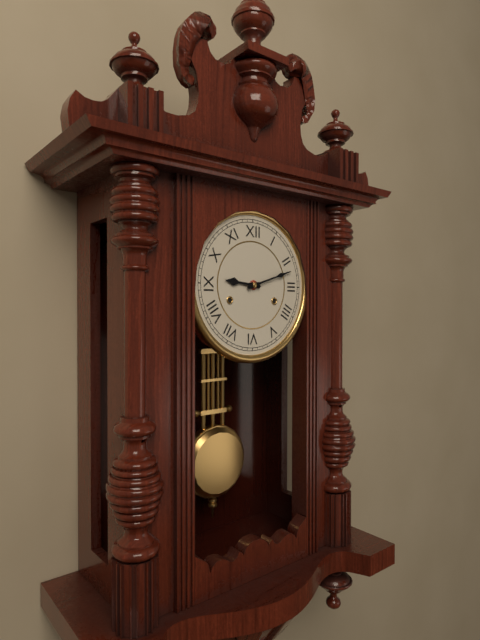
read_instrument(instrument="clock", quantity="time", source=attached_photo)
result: 9:12
